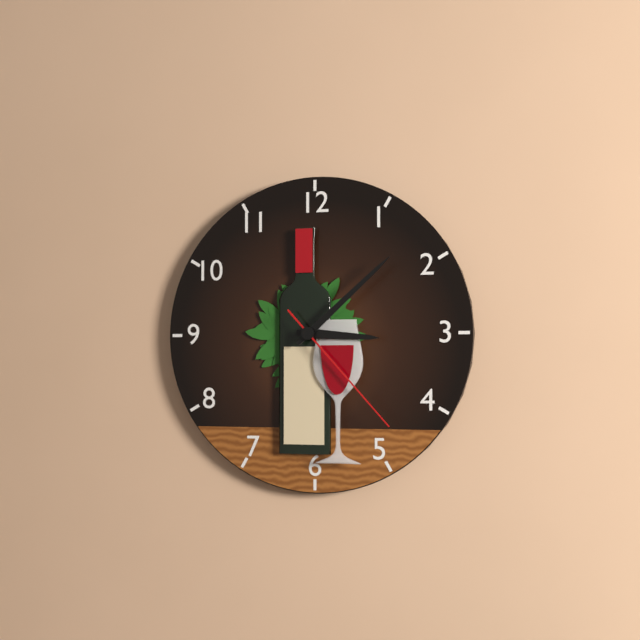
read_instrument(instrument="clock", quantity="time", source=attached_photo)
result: 3:08:23
